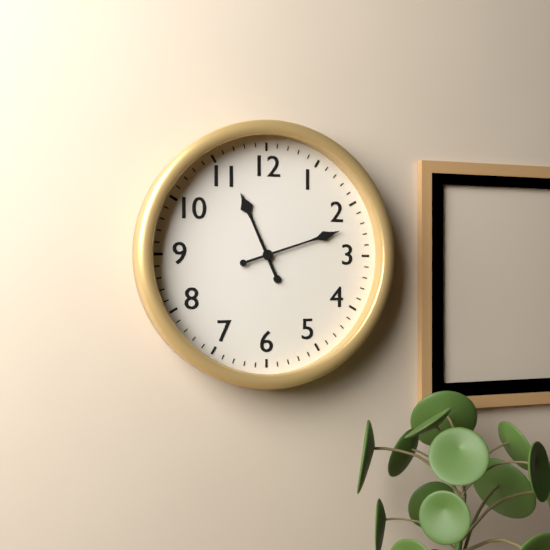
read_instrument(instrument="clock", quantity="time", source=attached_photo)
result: 11:12
